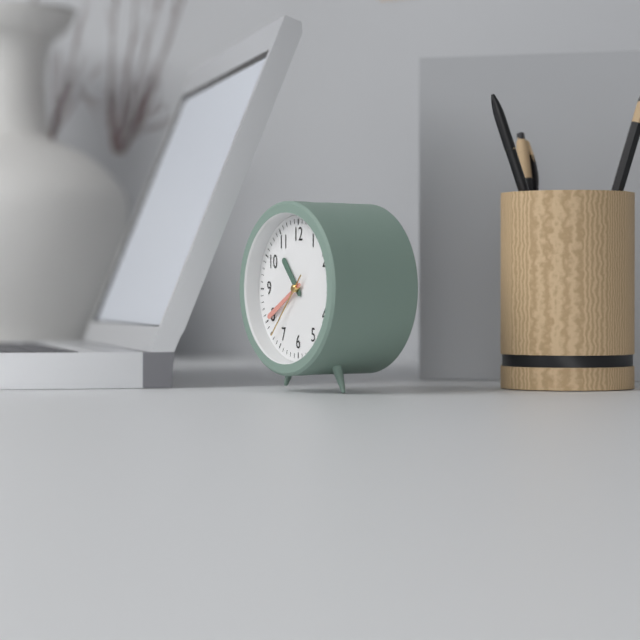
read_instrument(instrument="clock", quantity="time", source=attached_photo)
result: 10:40:37
